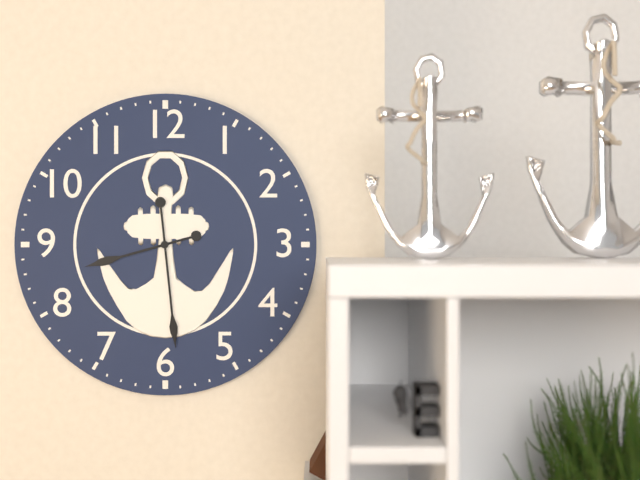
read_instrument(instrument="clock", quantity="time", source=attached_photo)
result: 8:29
